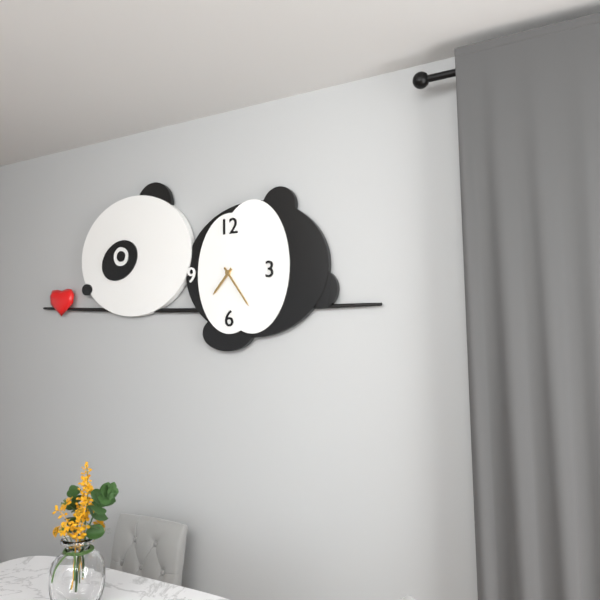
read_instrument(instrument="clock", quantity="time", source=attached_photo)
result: 7:24
